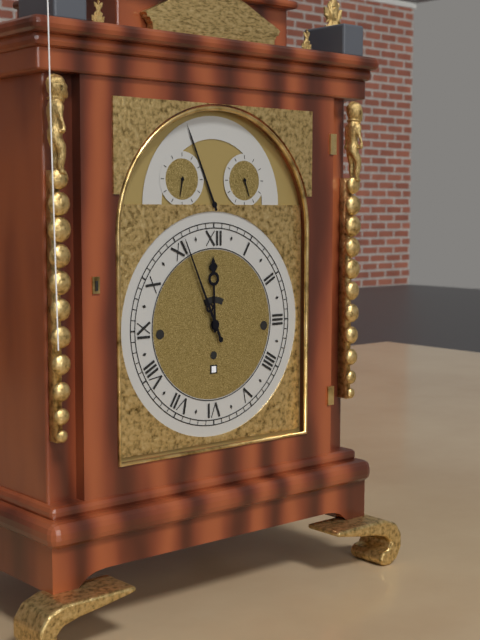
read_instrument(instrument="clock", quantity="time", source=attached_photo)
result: 11:56
